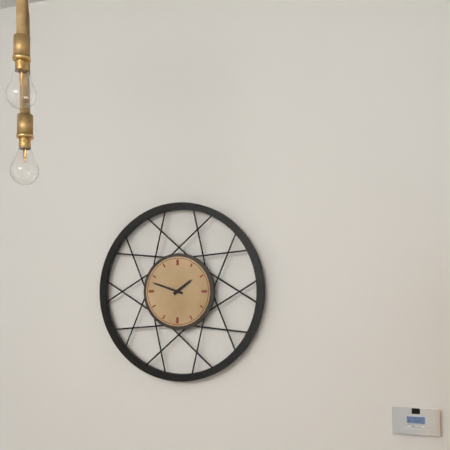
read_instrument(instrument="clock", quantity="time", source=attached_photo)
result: 1:48
